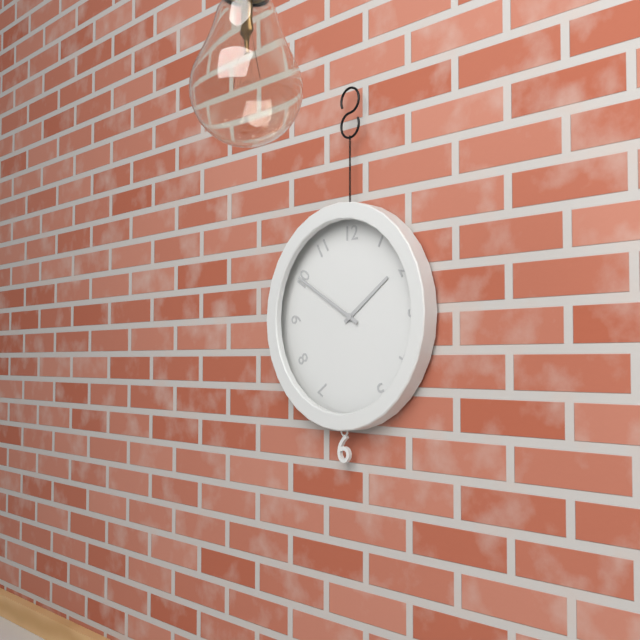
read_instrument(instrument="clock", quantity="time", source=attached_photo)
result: 1:50
